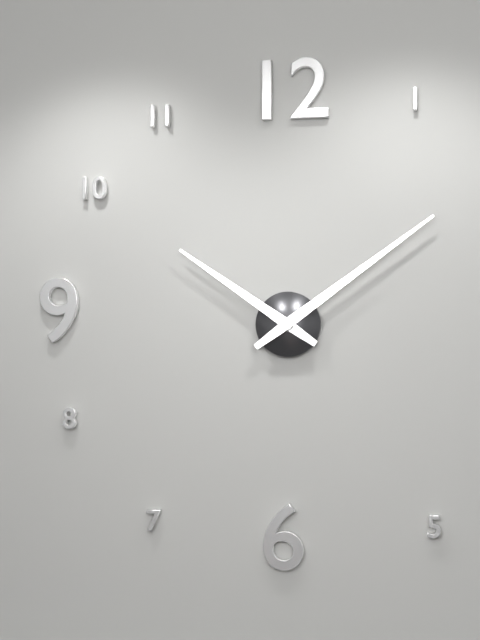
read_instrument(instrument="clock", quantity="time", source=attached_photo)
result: 10:09
